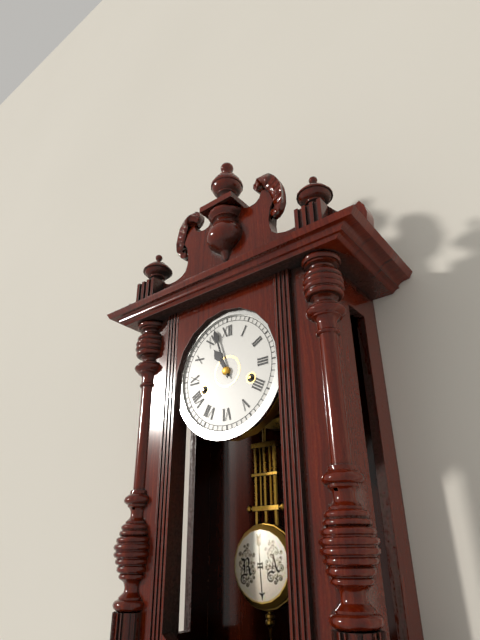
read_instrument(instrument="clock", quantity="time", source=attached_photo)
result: 10:57
